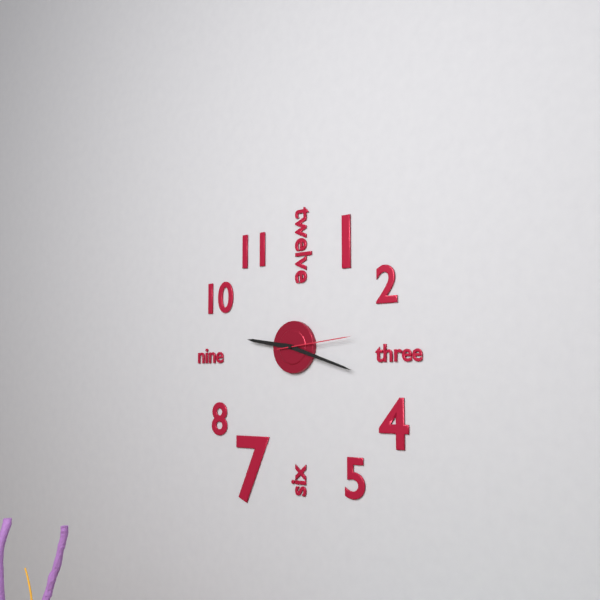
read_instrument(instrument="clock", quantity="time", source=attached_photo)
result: 9:18:14
